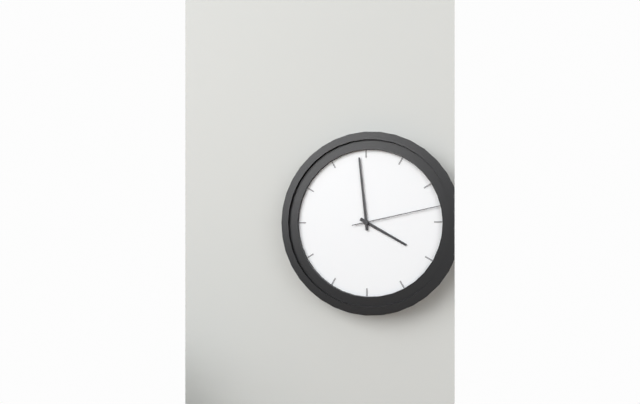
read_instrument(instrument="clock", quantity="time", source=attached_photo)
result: 3:59:13
